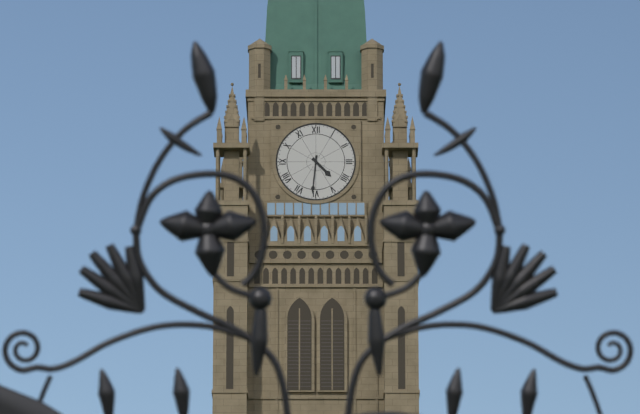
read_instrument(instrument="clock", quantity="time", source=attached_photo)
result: 4:31
